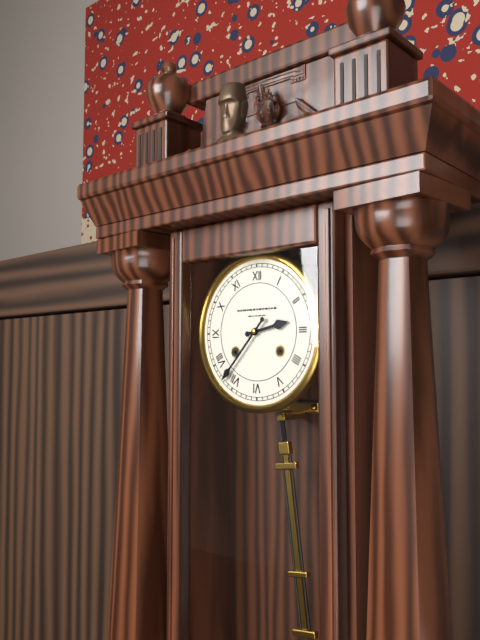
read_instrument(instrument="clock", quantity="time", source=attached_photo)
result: 2:37
